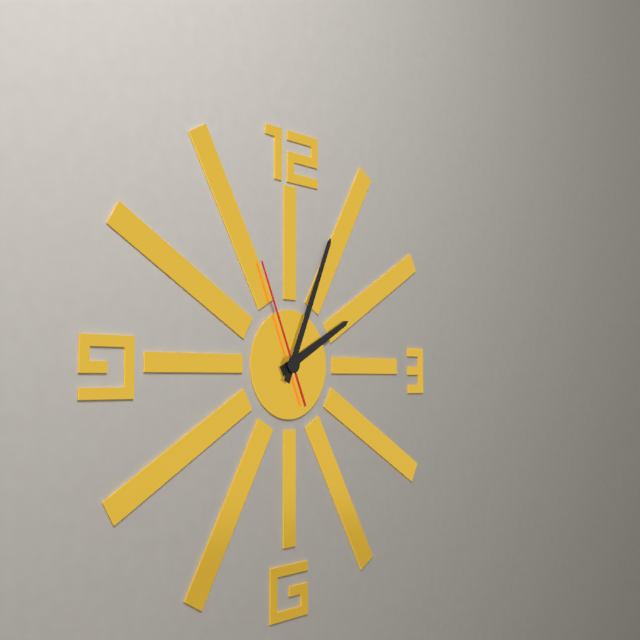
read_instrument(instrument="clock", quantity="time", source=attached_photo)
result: 2:04:56
